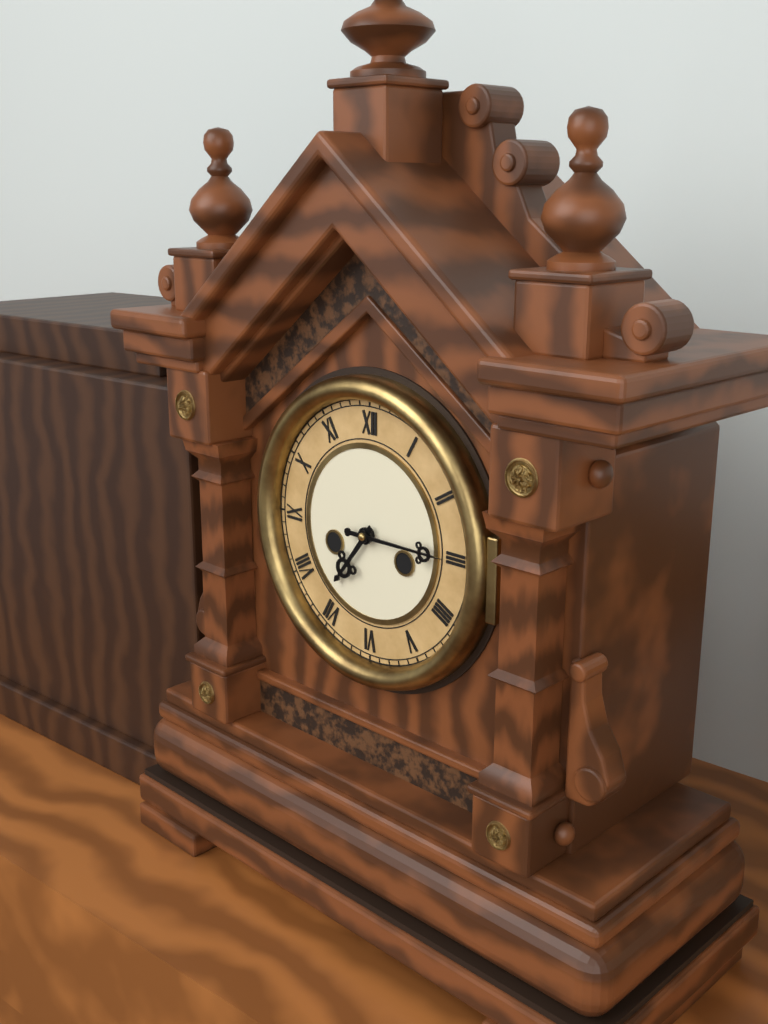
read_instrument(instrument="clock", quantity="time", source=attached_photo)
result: 7:15
